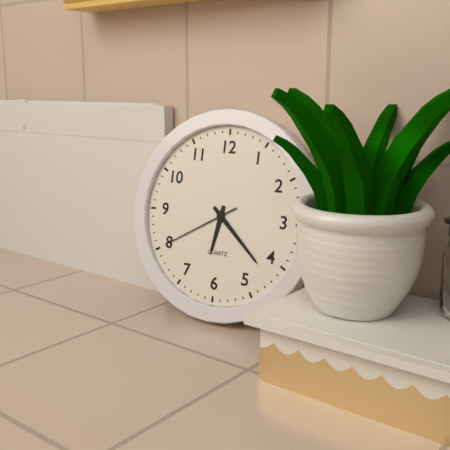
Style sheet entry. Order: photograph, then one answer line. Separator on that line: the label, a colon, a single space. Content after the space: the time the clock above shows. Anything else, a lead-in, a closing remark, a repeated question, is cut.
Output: 6:22:40
